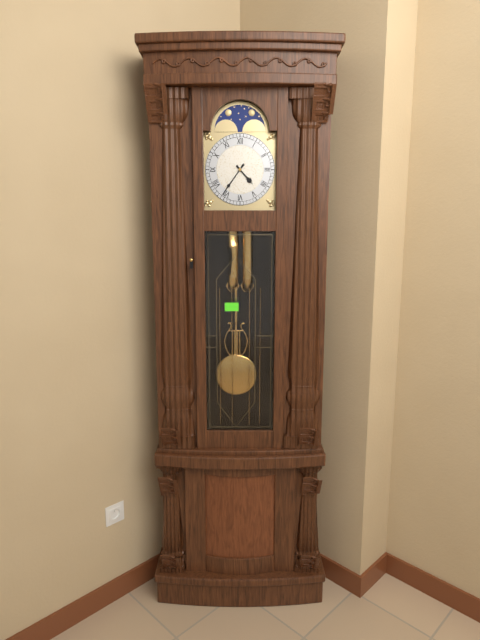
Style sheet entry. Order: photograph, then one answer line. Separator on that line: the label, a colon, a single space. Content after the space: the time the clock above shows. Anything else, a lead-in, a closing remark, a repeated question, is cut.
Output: 4:36
